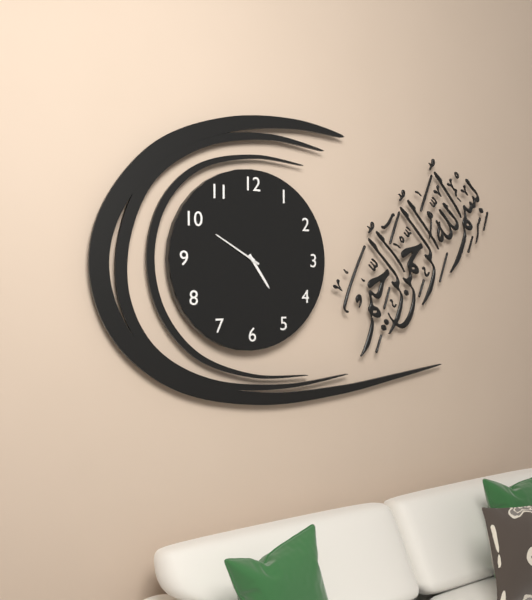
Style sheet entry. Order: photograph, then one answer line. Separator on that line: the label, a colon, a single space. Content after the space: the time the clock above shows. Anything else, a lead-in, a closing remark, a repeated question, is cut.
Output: 4:50
